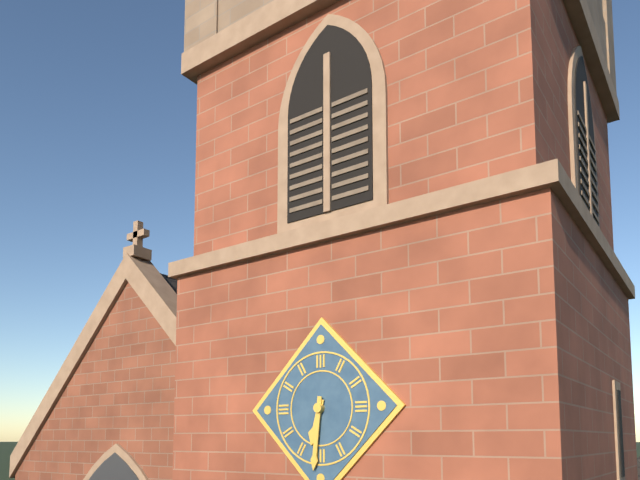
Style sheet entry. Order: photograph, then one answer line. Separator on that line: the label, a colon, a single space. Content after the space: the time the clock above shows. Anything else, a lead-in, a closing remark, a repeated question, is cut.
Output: 6:31
